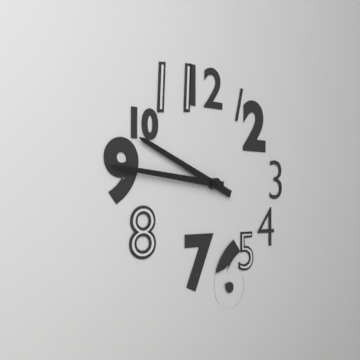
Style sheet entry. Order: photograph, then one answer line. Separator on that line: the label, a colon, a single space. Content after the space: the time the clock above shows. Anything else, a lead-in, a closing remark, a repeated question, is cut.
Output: 9:46
